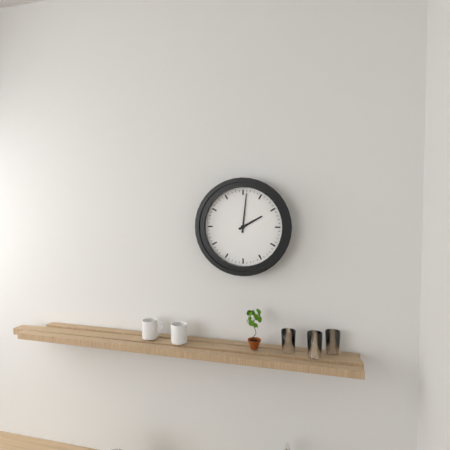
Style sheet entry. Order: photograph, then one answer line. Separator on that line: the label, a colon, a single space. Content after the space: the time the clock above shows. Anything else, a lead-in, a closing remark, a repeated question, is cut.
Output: 2:01
